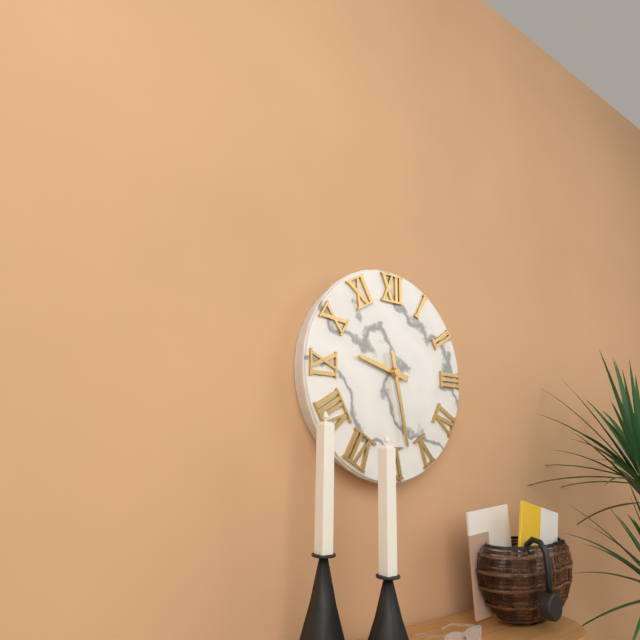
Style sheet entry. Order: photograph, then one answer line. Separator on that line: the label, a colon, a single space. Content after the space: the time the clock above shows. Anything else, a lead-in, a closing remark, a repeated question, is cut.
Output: 9:28
